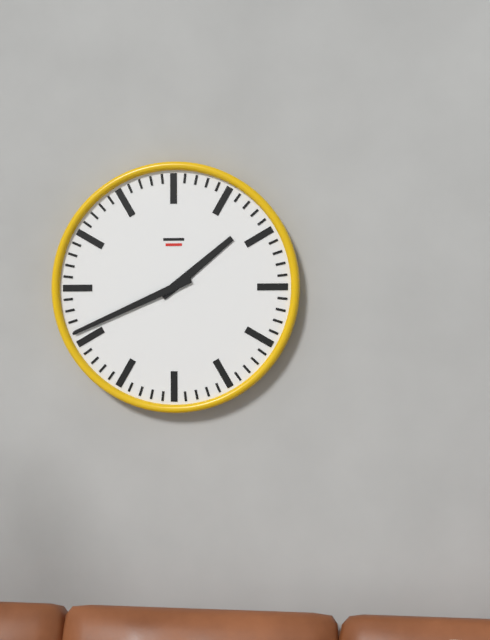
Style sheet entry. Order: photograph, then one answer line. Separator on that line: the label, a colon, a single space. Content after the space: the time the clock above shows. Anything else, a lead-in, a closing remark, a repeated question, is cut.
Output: 1:41
